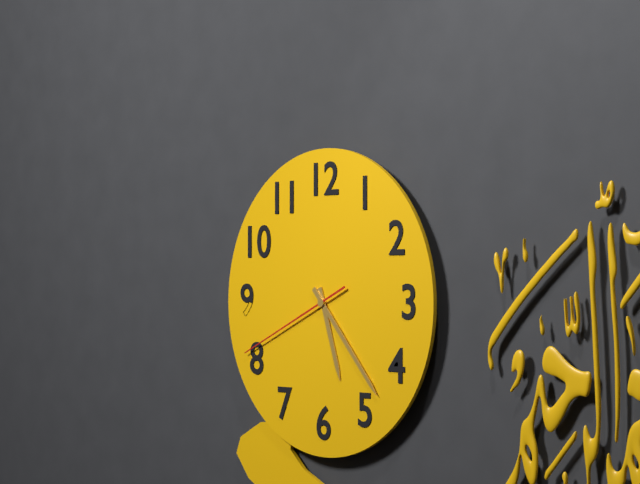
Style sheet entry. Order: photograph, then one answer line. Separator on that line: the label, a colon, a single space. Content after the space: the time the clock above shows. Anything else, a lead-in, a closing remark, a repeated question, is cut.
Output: 5:23:41
